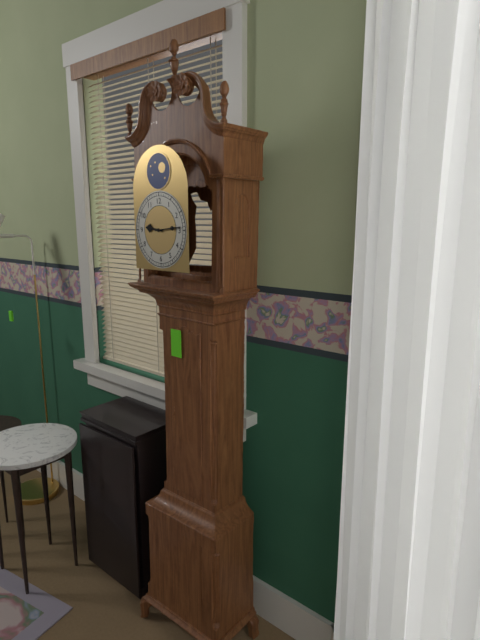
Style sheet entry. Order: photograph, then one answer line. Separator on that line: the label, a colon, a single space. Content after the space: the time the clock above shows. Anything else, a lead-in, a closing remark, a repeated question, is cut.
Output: 9:14
